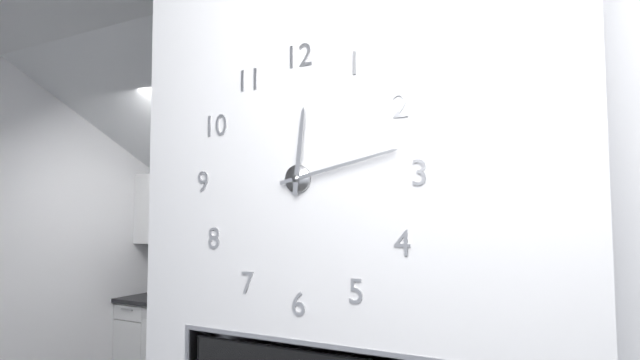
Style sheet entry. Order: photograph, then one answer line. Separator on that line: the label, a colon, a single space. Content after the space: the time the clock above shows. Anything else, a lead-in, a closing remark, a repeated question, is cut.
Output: 12:13
